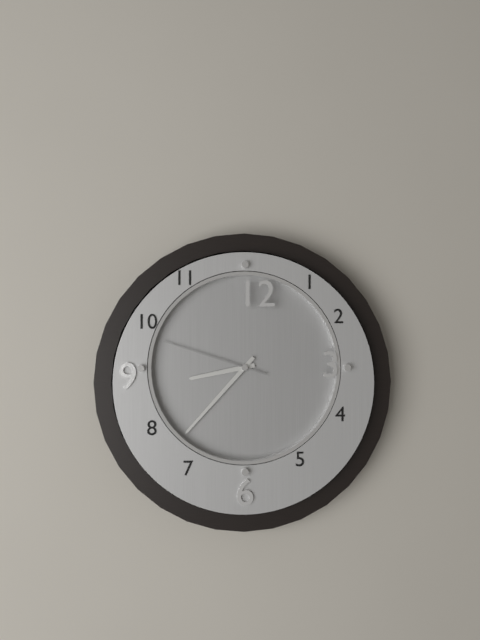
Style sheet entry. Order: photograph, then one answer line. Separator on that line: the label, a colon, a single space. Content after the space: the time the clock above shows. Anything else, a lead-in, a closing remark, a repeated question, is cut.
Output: 8:37:48
